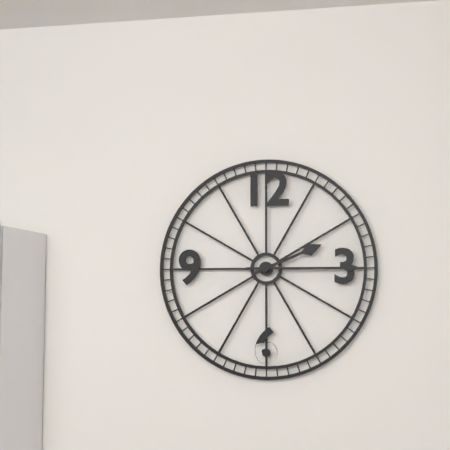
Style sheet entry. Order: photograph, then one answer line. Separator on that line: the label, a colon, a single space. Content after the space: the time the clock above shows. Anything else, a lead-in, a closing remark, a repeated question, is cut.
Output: 2:15
